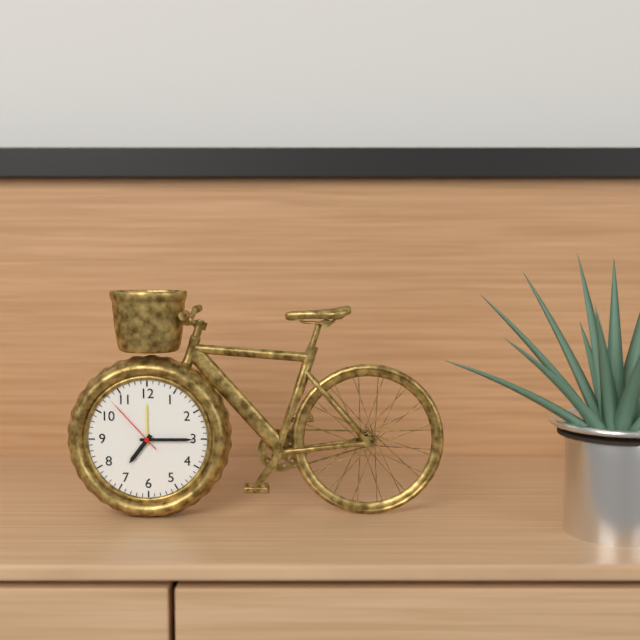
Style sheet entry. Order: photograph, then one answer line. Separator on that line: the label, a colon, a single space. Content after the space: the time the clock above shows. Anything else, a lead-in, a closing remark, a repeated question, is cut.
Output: 7:15:53
